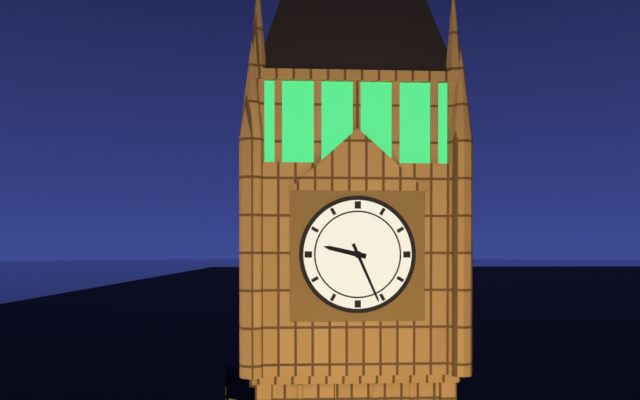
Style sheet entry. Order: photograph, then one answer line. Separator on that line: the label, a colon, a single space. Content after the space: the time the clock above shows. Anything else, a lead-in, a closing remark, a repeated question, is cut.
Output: 9:26
